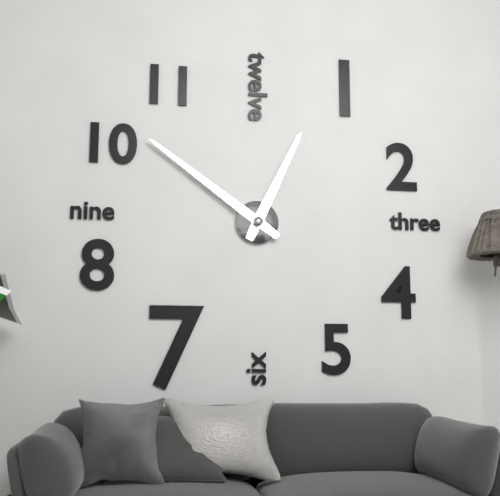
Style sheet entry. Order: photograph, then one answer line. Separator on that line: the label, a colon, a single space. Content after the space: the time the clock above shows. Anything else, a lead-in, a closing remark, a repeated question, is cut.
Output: 12:51
